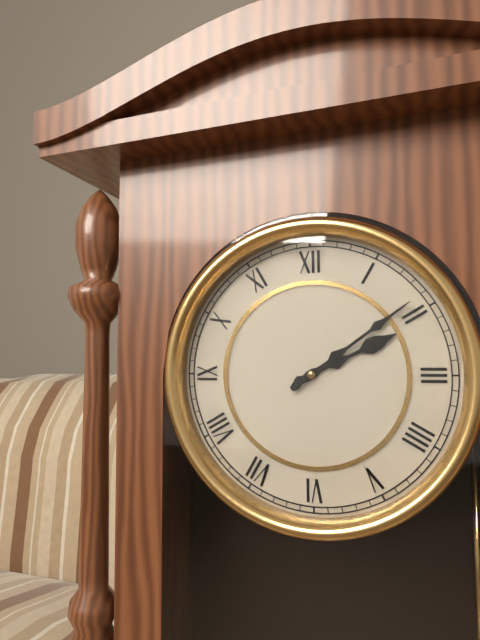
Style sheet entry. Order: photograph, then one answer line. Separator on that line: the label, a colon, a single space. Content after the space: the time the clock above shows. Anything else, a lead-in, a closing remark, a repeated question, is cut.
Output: 2:09
